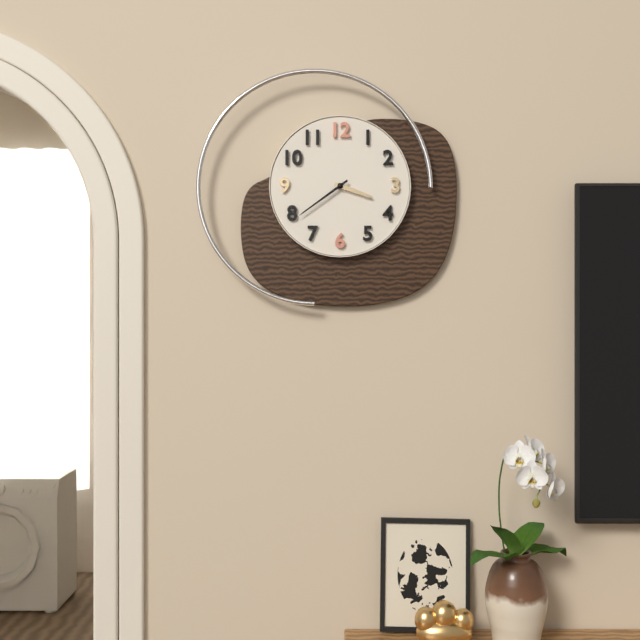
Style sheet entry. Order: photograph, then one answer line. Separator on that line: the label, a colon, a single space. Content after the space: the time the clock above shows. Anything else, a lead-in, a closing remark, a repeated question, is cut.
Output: 3:39
